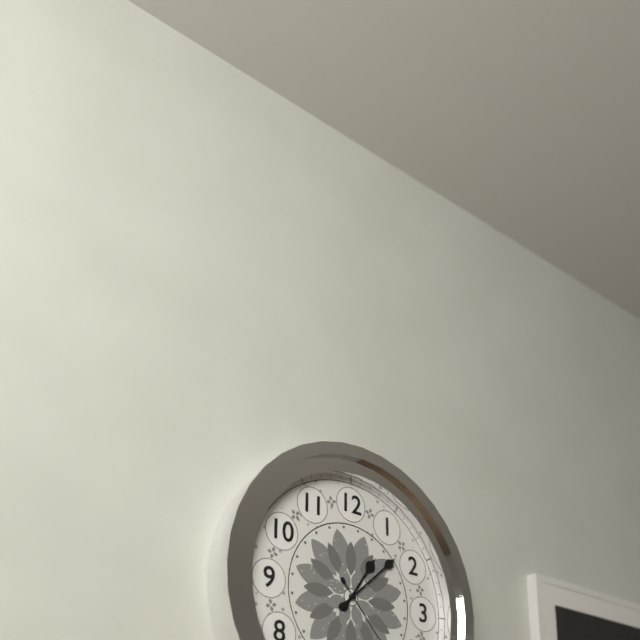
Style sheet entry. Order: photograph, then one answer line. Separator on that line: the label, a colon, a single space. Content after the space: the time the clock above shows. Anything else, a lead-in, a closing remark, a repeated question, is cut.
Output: 1:08
